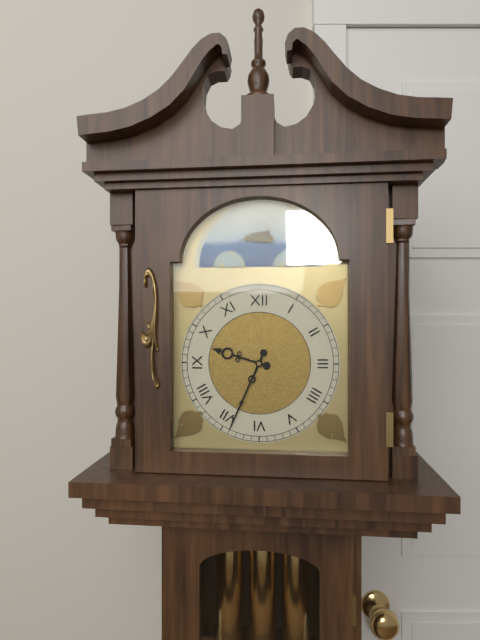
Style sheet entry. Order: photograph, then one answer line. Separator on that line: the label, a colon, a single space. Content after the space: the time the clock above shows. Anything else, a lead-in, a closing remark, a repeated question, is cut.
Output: 9:34
